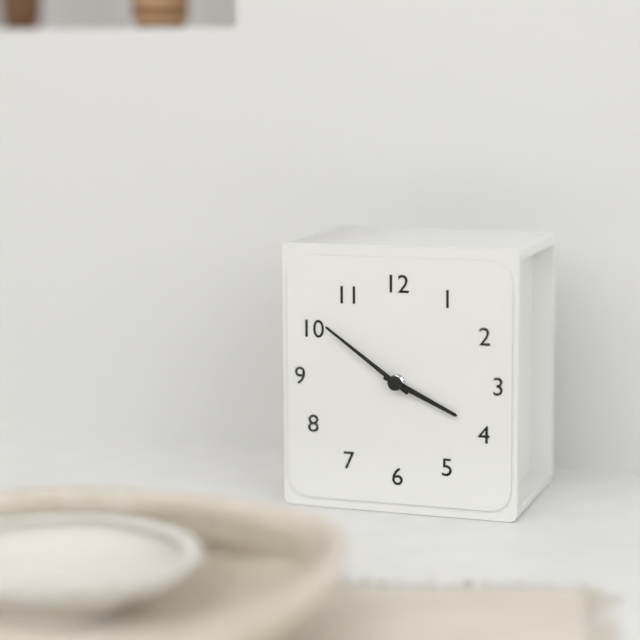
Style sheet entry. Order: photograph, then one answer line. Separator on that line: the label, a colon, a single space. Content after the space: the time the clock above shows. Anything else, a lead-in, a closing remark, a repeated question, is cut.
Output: 3:51
